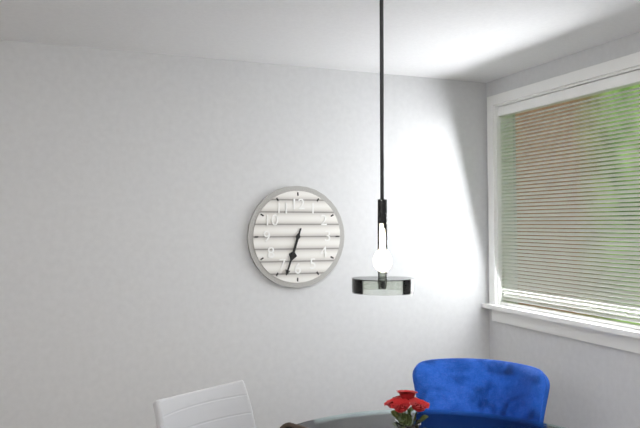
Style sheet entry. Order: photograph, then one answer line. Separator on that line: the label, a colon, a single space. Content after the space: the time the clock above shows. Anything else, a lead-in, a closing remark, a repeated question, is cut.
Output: 6:33
